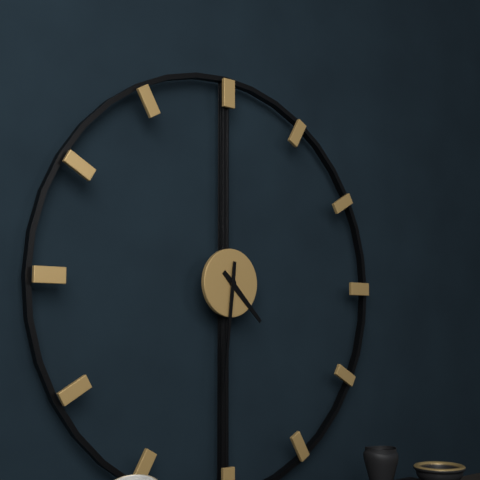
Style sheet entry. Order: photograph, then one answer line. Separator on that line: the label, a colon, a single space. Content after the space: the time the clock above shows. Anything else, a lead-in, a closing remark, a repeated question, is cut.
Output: 4:31
